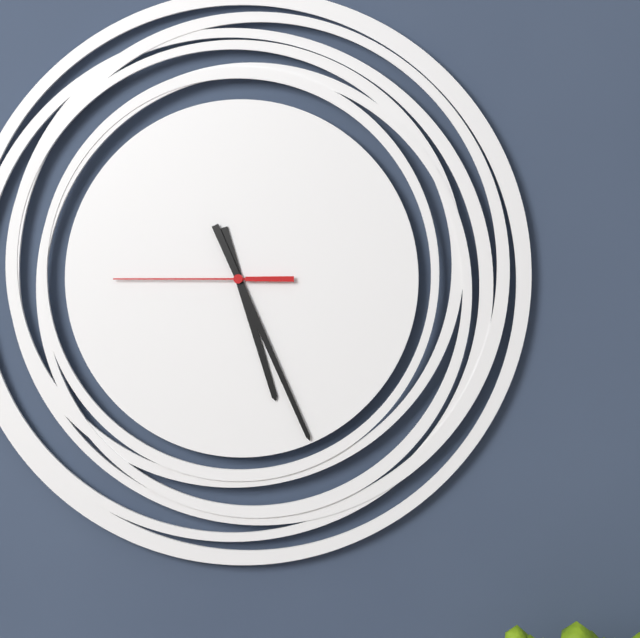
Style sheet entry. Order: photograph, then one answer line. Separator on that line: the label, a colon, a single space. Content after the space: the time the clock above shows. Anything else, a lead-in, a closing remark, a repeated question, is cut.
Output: 5:26:45
